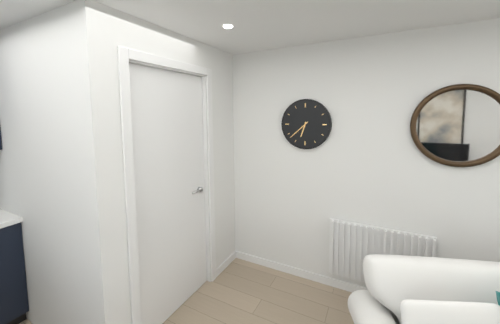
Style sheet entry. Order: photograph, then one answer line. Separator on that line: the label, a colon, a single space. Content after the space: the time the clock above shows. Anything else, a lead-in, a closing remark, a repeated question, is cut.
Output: 6:38
